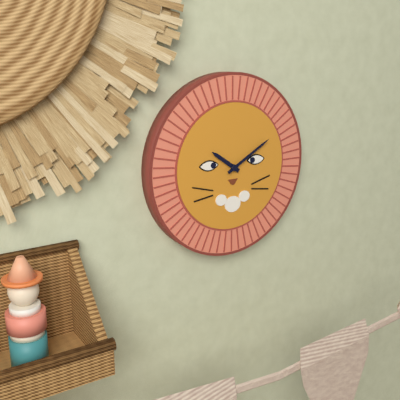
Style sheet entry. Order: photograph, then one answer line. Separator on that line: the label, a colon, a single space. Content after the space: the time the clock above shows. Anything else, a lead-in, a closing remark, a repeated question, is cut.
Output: 10:10
